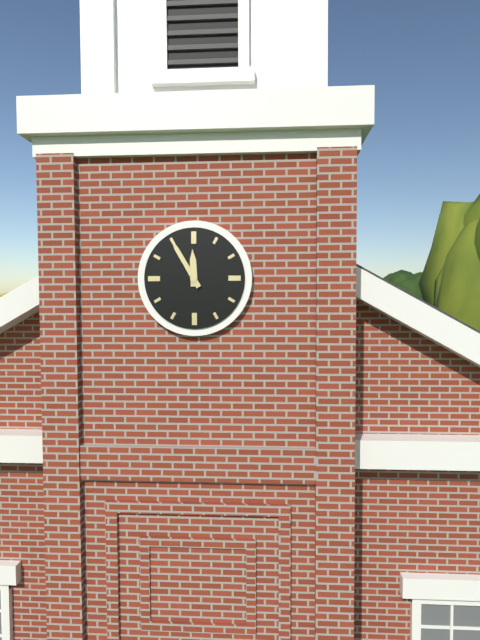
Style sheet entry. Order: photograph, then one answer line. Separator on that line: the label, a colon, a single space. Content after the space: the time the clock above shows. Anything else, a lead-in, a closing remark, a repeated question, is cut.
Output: 11:55
